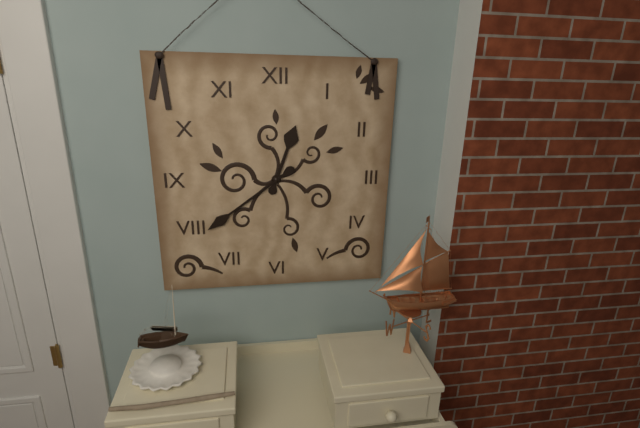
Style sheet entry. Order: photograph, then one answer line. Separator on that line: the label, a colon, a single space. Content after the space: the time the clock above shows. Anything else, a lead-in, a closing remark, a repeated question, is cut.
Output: 12:39
